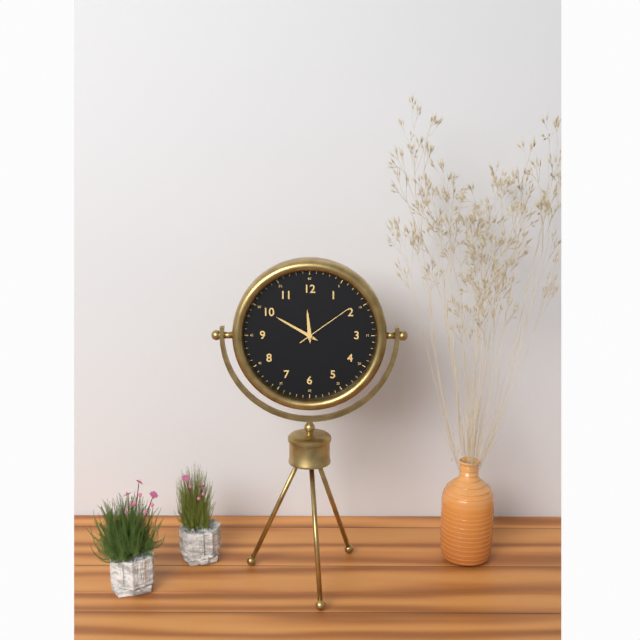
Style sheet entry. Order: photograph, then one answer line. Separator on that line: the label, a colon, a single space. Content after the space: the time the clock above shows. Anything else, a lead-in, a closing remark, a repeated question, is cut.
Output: 11:50:09
